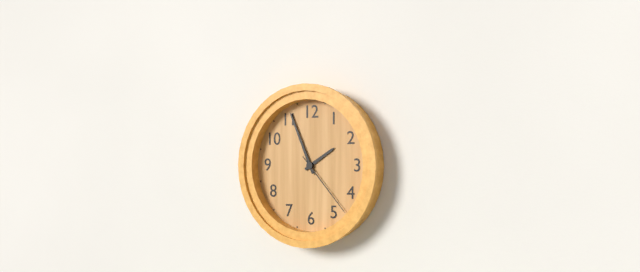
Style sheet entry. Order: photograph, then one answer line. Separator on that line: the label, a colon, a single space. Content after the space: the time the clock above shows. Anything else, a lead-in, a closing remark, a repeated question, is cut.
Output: 1:56:23
